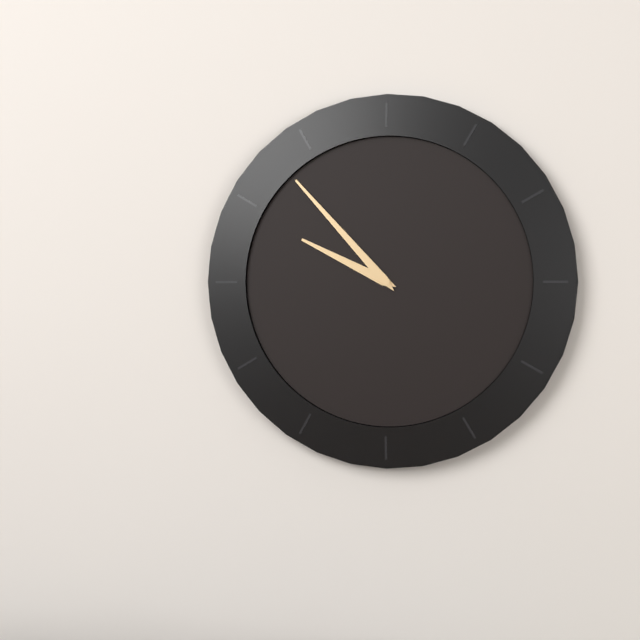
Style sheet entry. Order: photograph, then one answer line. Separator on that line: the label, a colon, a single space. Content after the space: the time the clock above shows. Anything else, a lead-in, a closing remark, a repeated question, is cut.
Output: 9:53
